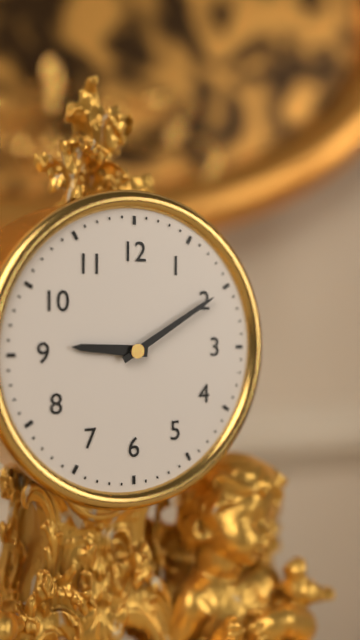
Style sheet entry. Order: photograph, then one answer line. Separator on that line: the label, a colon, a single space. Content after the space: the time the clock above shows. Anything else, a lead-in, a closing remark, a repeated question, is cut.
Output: 9:10
